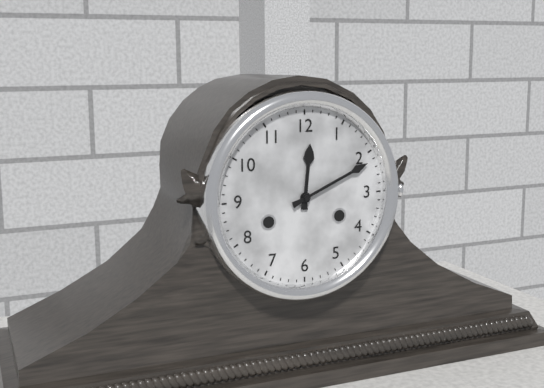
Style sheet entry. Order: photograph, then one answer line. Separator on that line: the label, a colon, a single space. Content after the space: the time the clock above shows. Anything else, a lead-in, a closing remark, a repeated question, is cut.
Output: 12:11
